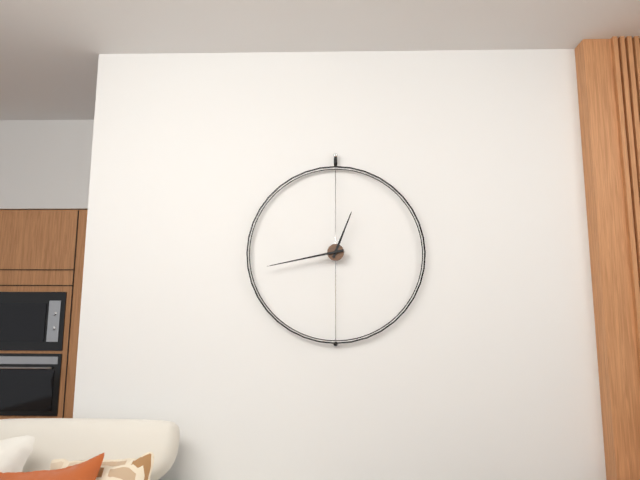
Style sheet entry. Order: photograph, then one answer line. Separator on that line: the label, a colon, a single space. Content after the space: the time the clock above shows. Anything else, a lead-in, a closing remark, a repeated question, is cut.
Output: 12:43
